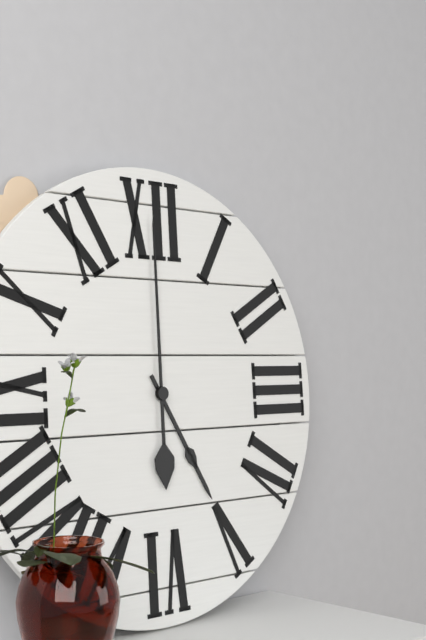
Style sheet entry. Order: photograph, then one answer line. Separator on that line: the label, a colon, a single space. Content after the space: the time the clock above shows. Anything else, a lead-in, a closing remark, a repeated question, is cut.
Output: 5:00
